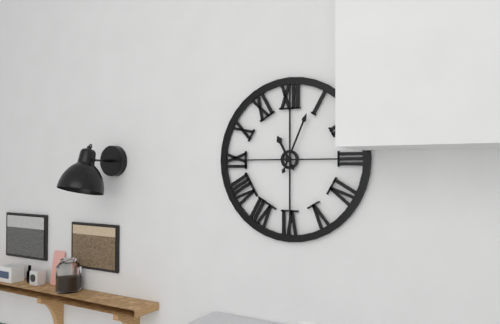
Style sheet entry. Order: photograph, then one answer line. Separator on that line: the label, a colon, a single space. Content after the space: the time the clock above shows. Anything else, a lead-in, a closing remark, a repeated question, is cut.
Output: 11:04
